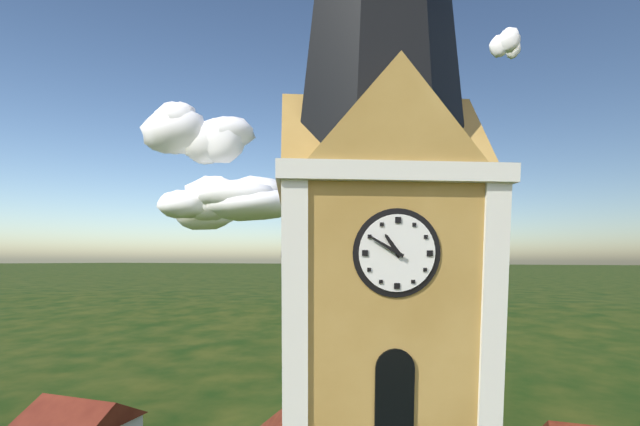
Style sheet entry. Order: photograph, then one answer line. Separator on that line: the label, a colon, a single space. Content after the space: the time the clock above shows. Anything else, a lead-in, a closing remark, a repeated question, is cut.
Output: 10:50
